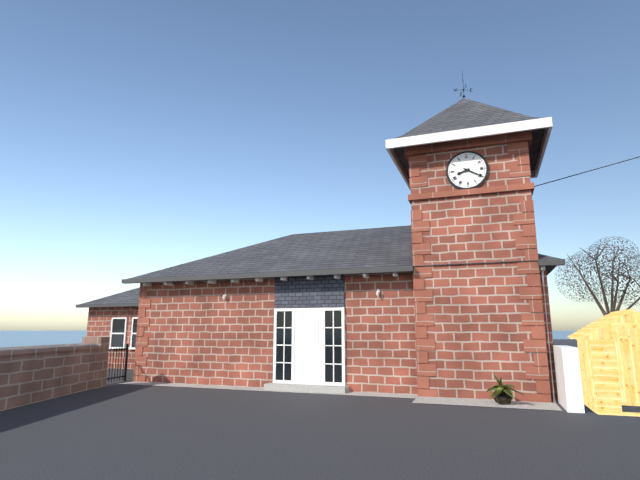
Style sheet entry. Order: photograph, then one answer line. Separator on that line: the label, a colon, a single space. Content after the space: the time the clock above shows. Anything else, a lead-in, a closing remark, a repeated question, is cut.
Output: 8:20
